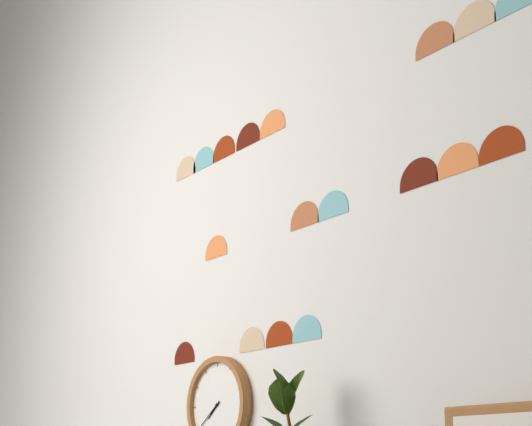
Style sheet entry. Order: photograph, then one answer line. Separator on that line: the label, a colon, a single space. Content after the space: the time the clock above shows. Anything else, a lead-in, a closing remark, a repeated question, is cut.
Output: 7:39
